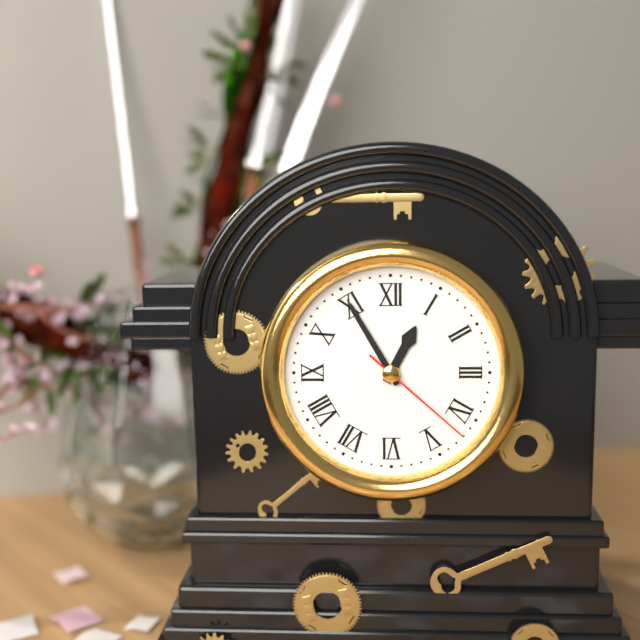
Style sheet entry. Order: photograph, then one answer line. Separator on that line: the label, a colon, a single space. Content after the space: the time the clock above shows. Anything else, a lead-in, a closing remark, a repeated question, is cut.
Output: 12:55:22
